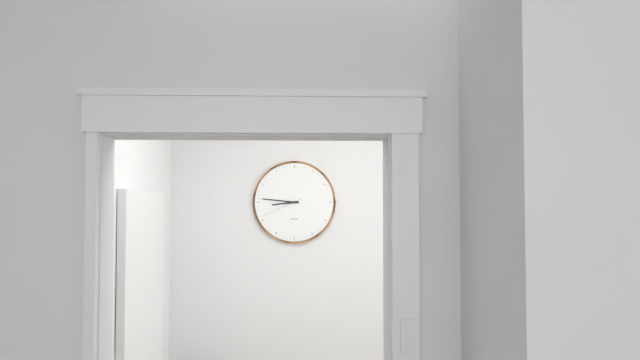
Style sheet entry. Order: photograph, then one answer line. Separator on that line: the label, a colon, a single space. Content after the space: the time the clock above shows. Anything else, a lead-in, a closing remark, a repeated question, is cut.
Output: 8:46
